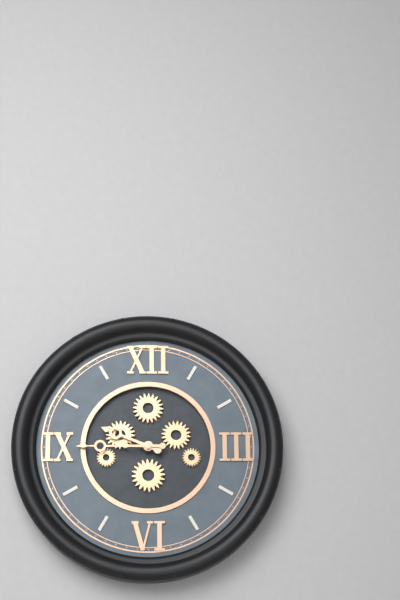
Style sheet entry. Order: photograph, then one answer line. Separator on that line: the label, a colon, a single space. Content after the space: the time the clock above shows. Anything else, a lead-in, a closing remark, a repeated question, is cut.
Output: 9:45
